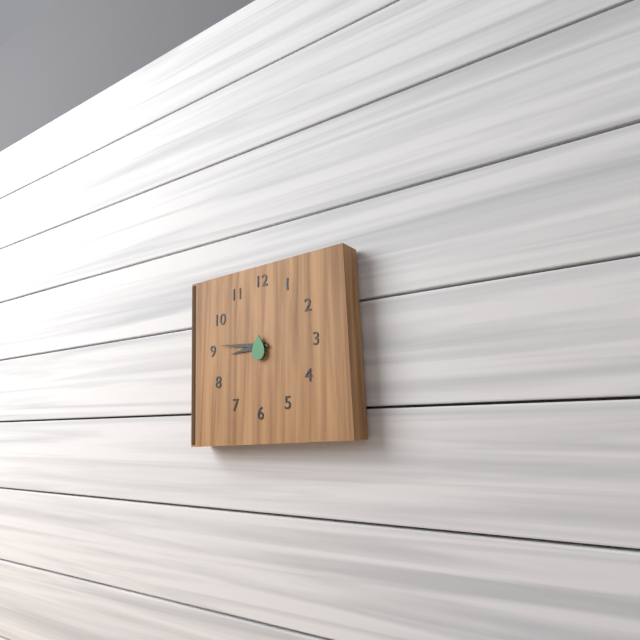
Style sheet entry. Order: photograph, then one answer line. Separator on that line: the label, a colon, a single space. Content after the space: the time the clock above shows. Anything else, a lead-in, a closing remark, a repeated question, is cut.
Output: 8:46
